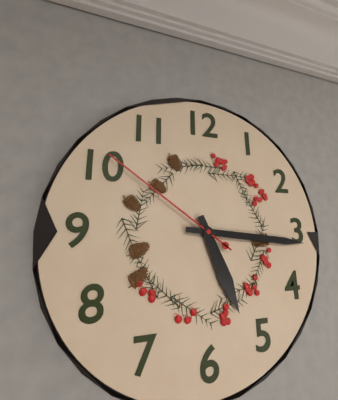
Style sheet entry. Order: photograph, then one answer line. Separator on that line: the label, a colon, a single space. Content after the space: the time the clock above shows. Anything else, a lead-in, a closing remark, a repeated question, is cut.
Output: 5:16:51
